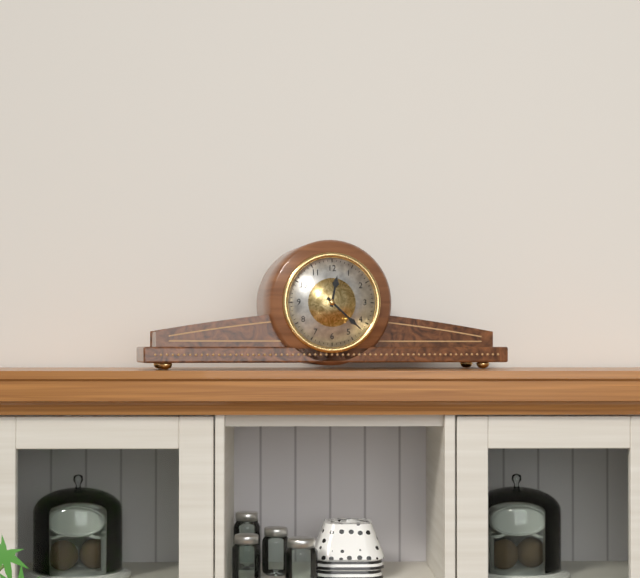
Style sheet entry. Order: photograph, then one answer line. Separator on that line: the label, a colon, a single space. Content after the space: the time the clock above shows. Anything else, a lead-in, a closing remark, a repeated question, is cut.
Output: 12:22
